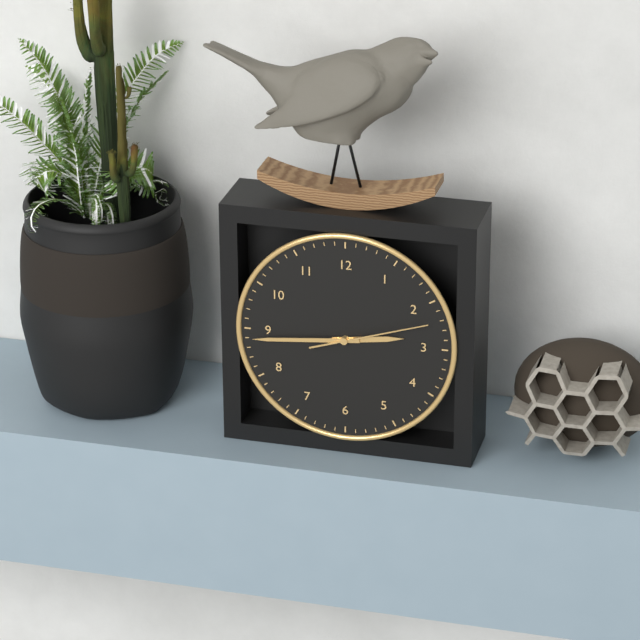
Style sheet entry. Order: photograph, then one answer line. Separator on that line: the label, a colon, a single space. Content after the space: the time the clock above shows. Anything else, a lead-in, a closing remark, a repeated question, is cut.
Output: 2:44:12
